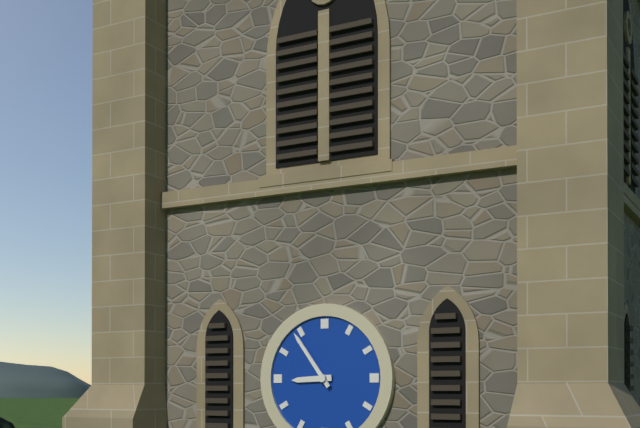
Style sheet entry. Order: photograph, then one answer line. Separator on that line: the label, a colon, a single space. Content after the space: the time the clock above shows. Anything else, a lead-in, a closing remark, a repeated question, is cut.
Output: 8:54
